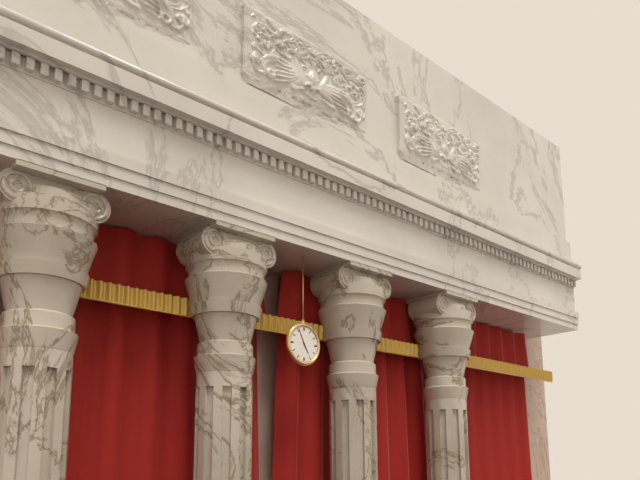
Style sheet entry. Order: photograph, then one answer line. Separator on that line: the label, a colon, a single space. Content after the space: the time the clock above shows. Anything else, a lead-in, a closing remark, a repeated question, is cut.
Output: 4:56
